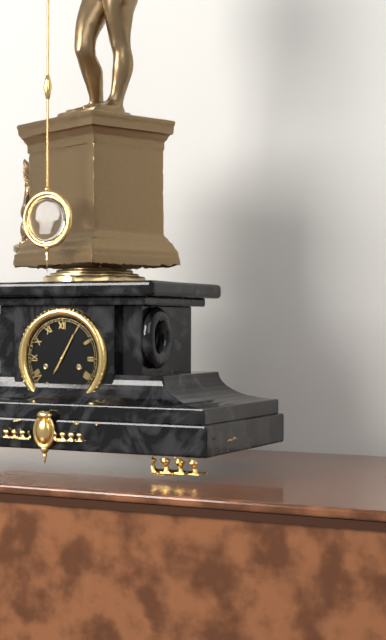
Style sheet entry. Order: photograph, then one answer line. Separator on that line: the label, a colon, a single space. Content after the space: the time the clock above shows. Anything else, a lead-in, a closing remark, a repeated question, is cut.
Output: 7:05
